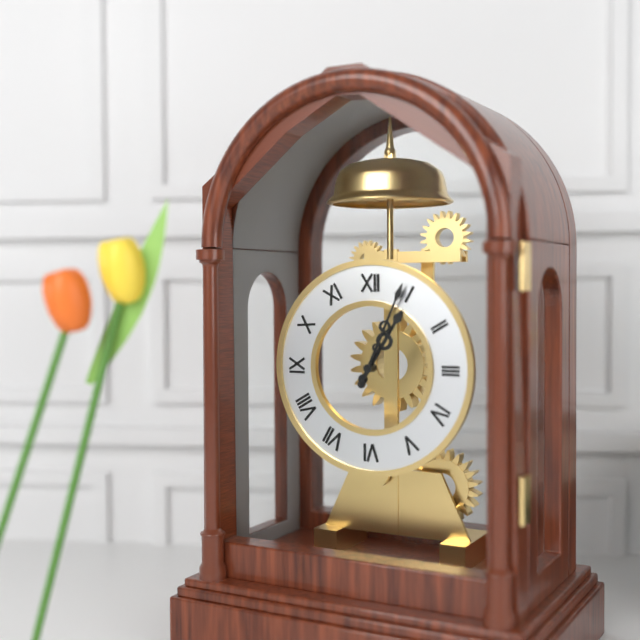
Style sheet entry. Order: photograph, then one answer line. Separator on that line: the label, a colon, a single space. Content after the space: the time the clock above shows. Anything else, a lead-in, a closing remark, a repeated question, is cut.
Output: 1:04
